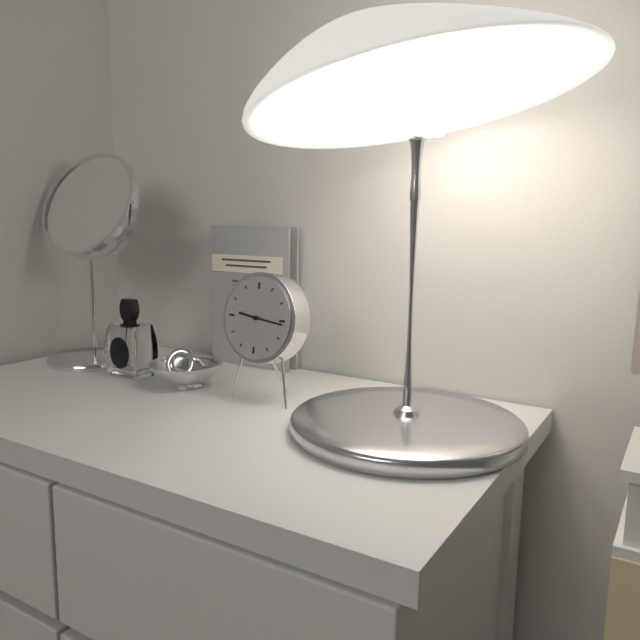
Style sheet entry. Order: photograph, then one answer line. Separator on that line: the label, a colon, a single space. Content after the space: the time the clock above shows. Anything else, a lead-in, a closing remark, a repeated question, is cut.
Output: 9:16
